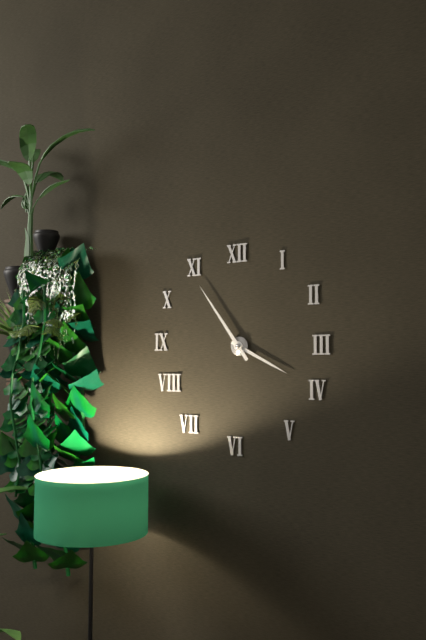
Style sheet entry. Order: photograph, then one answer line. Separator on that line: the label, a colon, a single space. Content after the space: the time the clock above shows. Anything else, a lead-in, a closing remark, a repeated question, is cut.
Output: 3:54
